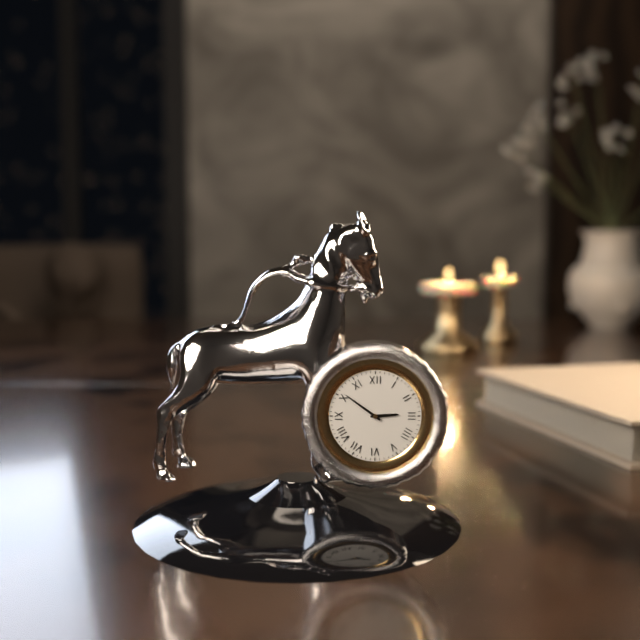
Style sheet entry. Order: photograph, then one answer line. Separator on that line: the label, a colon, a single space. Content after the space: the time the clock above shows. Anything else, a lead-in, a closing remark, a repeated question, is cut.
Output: 2:51
